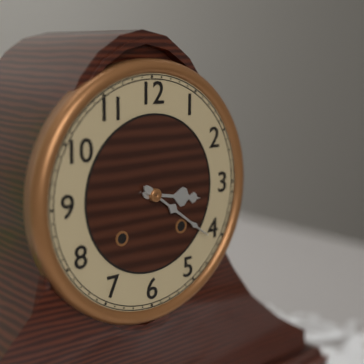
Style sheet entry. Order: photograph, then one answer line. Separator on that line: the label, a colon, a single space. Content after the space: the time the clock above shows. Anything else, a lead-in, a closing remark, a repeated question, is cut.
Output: 3:21
